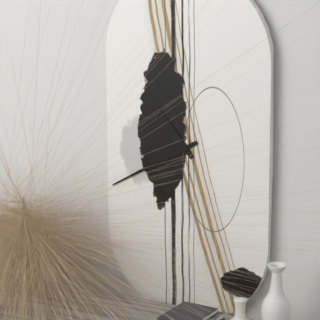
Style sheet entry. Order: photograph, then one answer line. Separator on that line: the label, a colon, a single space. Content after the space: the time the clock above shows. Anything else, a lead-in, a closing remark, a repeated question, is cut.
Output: 10:40
